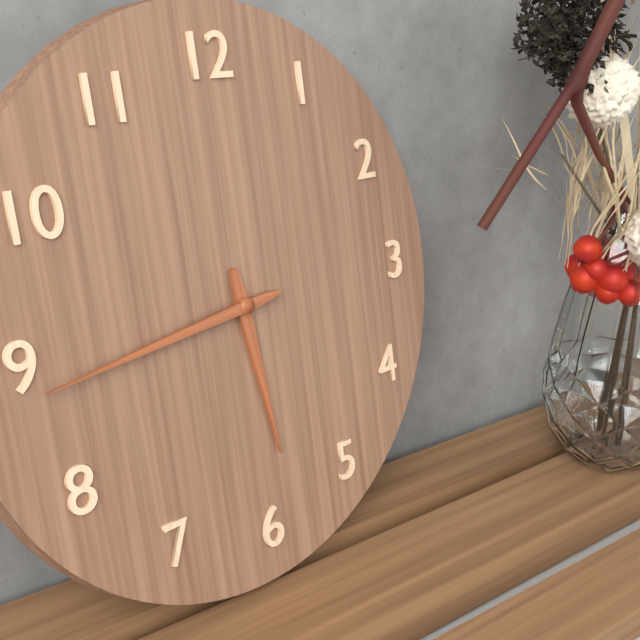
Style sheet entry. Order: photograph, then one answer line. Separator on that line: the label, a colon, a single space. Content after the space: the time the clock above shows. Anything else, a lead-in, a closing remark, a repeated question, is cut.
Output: 5:44
